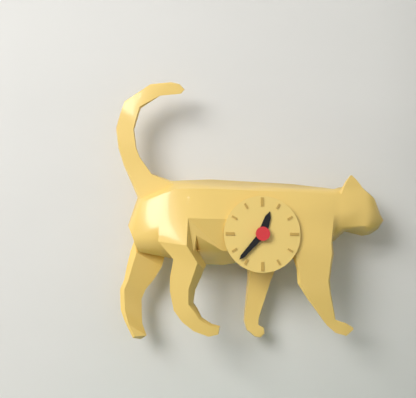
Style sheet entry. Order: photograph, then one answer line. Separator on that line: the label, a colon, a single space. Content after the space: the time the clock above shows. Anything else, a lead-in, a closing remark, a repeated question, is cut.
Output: 12:37
